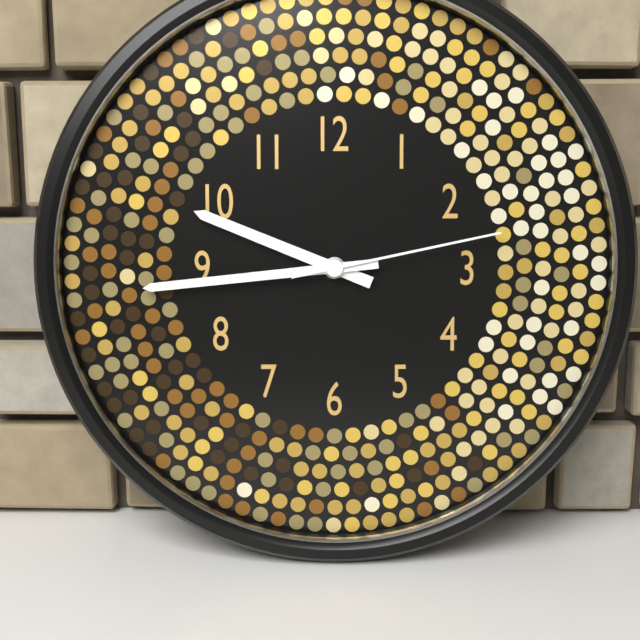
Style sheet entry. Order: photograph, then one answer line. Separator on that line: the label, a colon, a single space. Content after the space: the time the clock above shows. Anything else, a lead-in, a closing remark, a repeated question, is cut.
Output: 9:44:13
